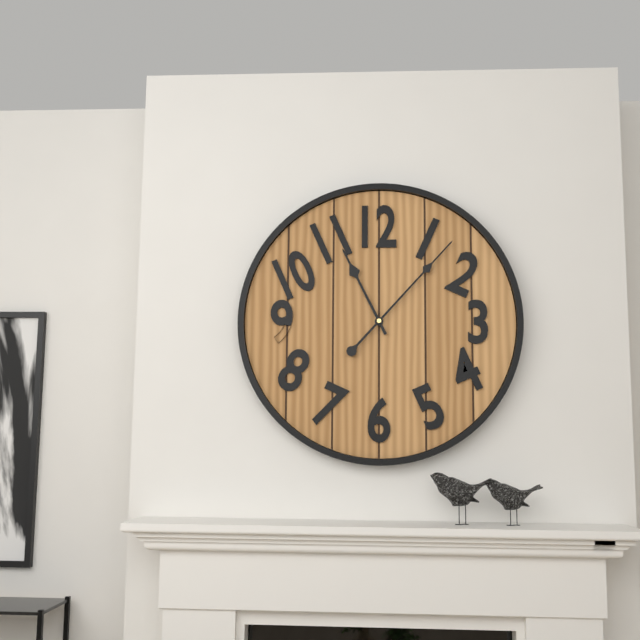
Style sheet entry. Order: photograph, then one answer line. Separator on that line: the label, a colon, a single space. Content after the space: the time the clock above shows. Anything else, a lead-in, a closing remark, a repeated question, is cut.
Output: 11:07
